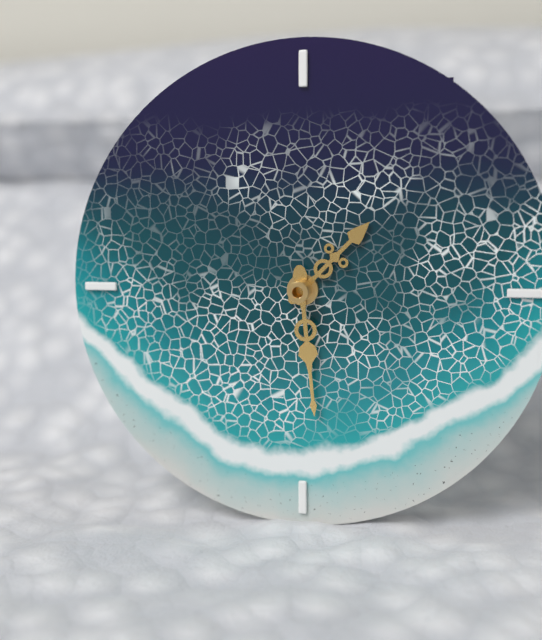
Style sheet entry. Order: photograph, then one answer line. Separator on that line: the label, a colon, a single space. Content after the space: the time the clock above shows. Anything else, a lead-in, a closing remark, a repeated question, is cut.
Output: 1:29
